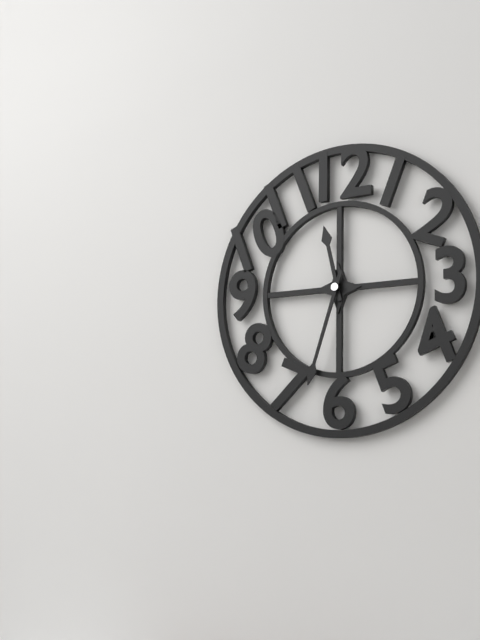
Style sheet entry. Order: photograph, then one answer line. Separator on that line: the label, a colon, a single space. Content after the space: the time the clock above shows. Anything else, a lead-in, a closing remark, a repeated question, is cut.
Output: 11:33
